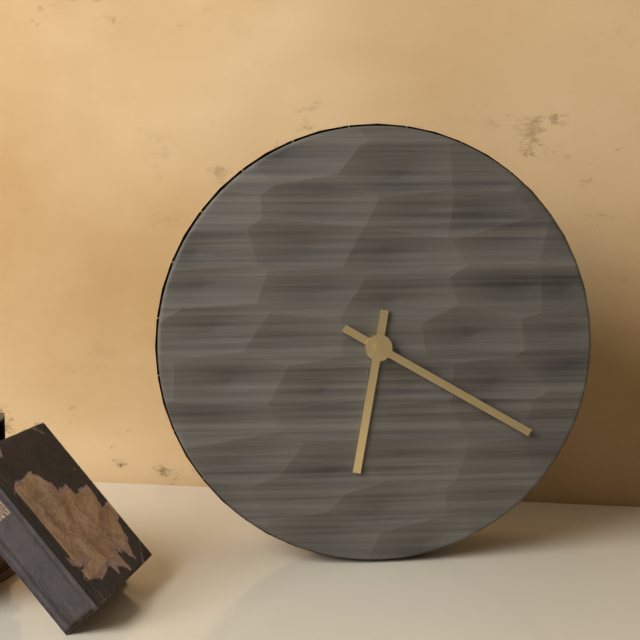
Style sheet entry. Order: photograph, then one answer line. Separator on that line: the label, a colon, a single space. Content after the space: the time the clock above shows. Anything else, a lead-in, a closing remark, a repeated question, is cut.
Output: 6:20
